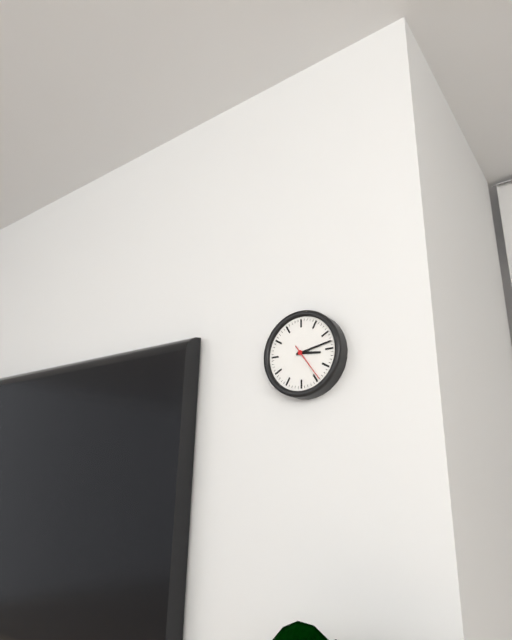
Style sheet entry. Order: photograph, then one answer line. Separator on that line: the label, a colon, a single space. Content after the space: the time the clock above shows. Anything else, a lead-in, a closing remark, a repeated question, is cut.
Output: 3:13
